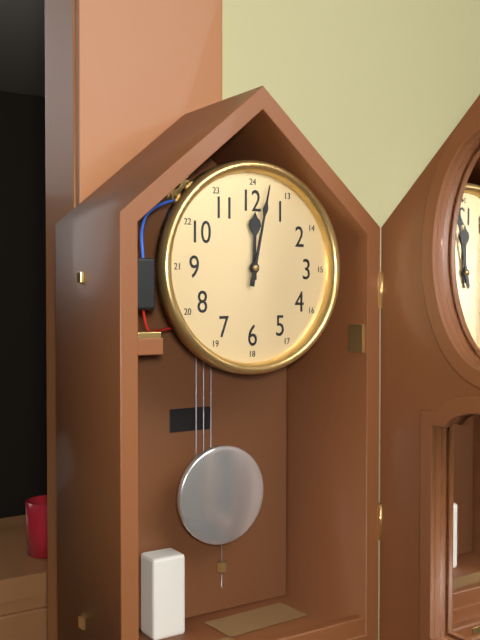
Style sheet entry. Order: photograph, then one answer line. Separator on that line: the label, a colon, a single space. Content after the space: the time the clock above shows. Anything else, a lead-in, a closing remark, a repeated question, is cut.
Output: 12:02
